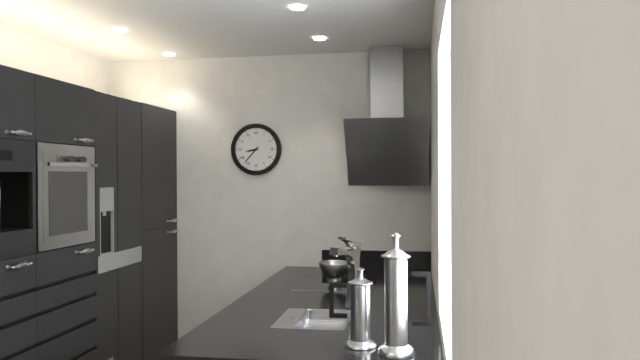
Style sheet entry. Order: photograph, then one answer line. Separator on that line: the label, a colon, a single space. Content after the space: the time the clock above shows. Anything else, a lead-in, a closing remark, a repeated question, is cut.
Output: 8:37
